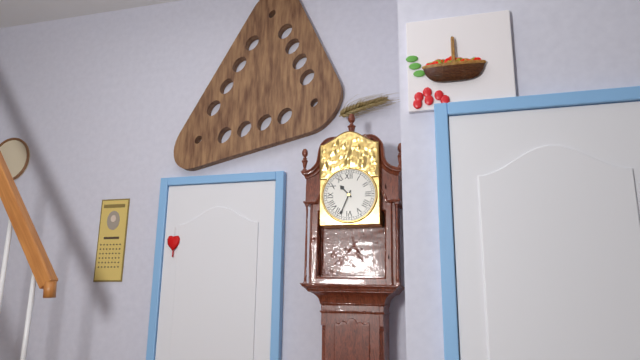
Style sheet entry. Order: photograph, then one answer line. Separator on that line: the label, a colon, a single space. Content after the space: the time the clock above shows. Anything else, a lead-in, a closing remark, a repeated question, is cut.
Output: 10:34
